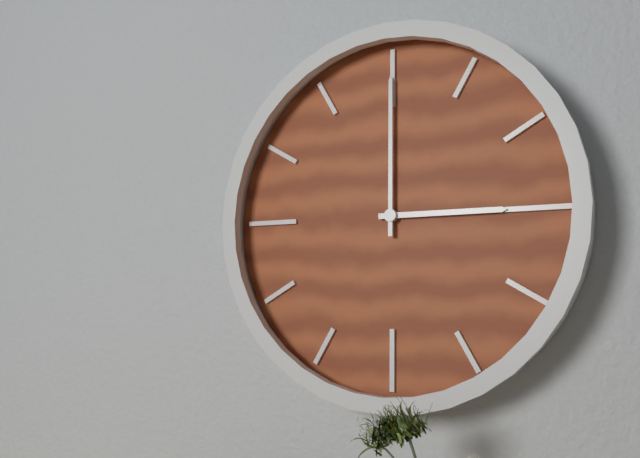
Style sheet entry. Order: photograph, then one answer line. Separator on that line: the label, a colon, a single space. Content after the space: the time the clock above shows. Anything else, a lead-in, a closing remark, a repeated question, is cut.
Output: 3:00
